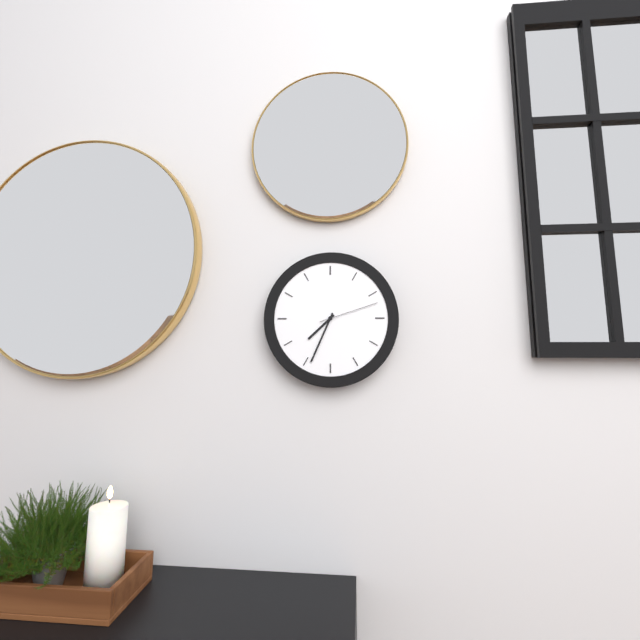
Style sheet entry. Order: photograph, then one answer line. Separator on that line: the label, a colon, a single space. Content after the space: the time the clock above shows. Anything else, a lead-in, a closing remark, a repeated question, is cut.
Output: 7:34:12
